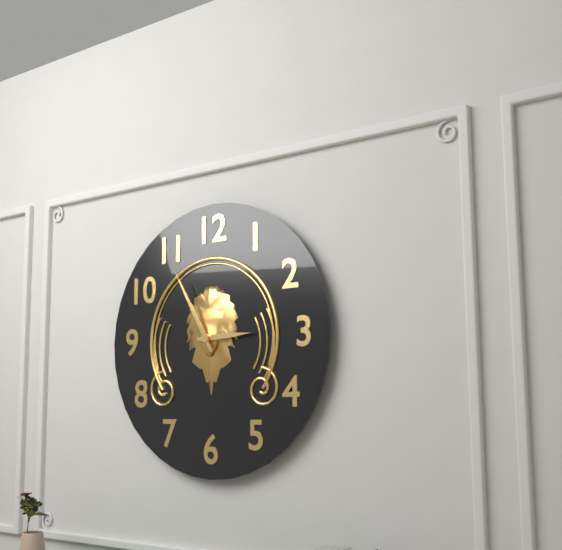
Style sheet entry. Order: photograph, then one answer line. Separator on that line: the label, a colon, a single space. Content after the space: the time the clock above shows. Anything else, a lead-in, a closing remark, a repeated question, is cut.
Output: 2:55
